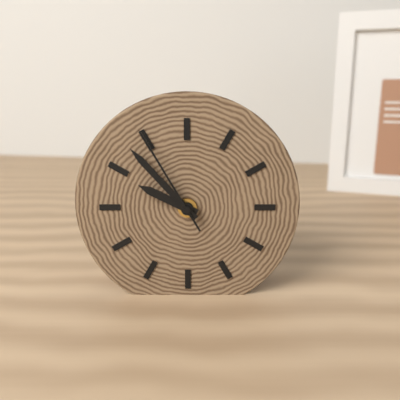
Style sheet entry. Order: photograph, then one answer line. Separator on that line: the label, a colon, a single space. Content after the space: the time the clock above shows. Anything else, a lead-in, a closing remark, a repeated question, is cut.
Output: 9:53:55
